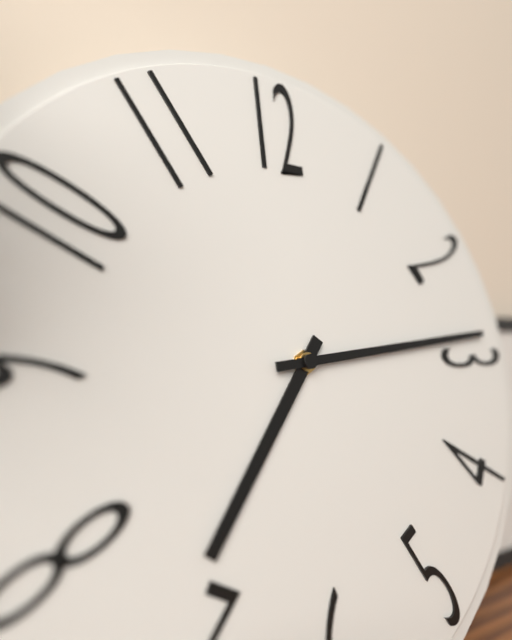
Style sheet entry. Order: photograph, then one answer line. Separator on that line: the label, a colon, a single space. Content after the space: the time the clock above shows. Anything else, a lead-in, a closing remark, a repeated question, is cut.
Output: 7:14
